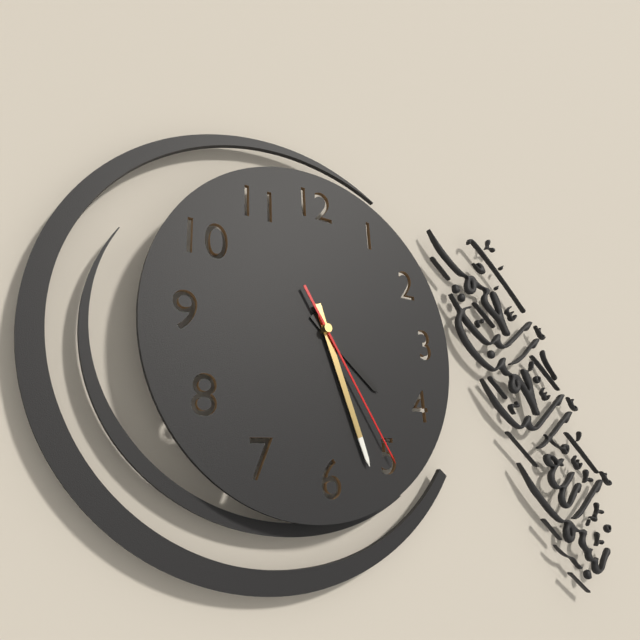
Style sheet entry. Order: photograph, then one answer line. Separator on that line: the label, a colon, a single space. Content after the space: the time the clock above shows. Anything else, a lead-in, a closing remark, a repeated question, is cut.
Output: 4:27:25
